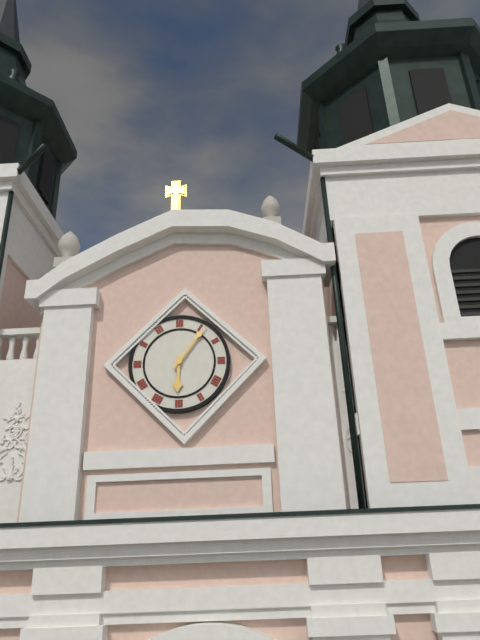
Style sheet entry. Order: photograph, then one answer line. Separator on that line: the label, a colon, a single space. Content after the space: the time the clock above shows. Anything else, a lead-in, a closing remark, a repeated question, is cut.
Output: 6:06
